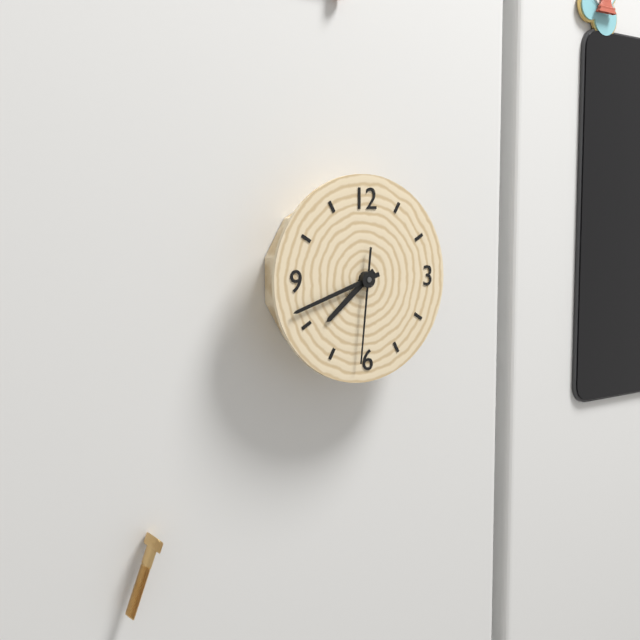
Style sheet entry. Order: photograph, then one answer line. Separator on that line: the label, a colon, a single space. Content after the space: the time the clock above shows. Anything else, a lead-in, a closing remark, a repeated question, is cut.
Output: 7:42:31
